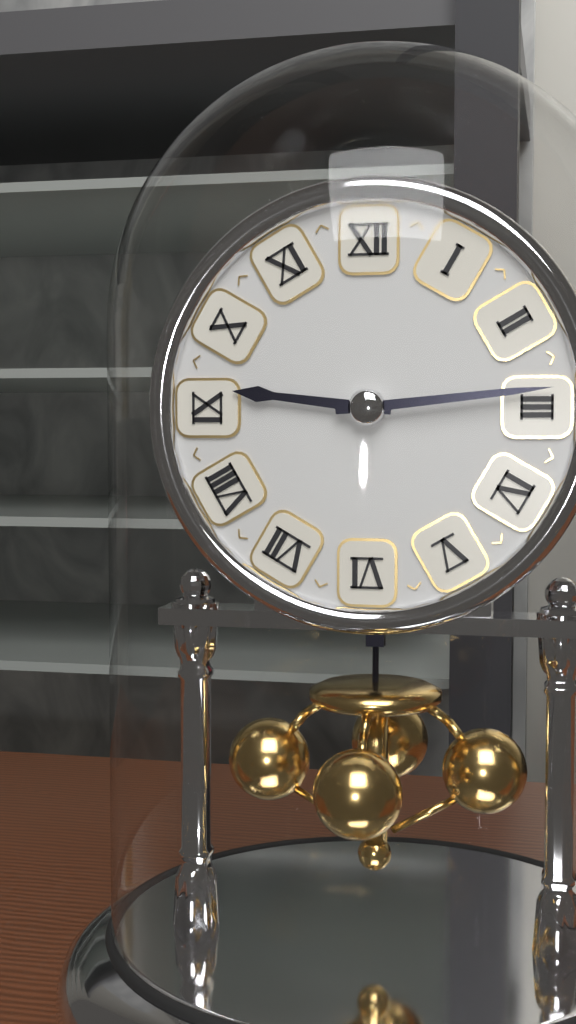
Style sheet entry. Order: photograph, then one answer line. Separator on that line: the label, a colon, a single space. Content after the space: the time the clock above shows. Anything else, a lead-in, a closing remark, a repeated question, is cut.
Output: 9:14
